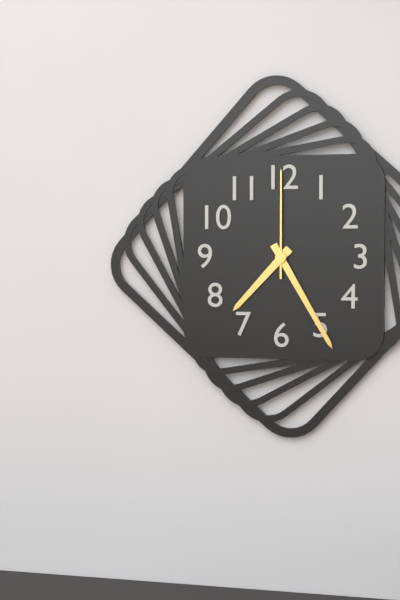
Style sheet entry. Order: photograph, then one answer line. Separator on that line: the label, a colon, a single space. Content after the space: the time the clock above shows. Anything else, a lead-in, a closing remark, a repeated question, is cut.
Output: 7:25:00
